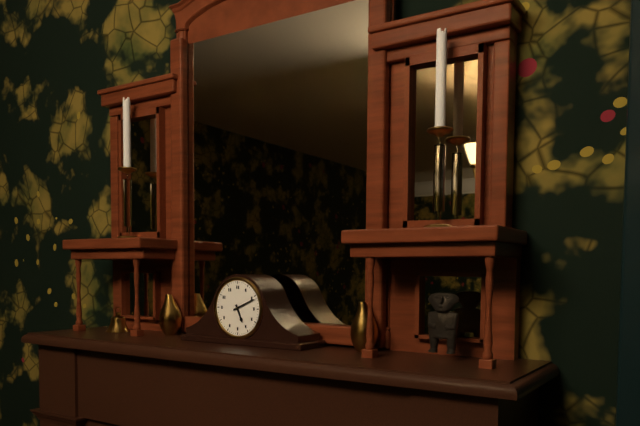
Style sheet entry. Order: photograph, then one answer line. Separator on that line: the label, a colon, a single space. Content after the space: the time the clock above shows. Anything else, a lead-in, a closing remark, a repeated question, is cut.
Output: 5:11
